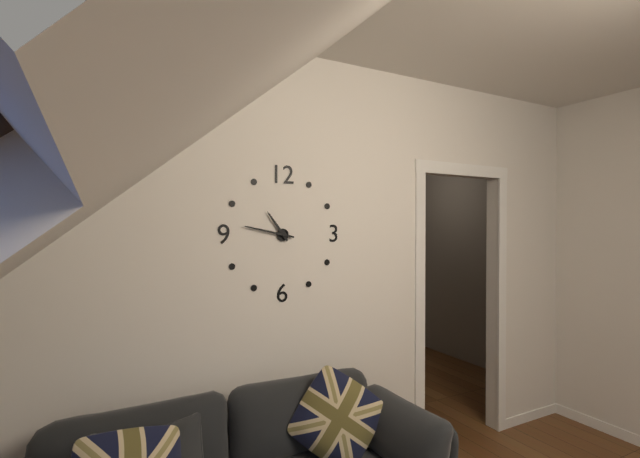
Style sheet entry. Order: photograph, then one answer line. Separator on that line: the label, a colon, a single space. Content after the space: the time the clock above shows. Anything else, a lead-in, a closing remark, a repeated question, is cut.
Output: 10:47
